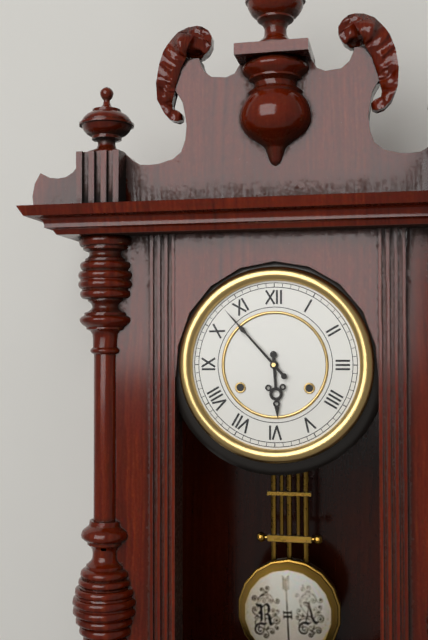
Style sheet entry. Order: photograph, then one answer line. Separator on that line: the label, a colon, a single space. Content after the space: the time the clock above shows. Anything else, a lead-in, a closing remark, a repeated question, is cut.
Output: 5:53
